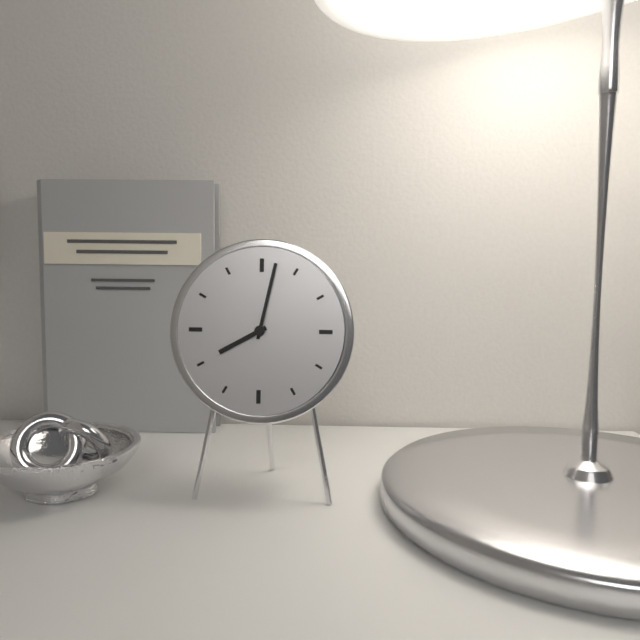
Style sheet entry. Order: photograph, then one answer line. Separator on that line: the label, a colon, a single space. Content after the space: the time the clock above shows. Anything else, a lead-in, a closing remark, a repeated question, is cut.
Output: 8:02
